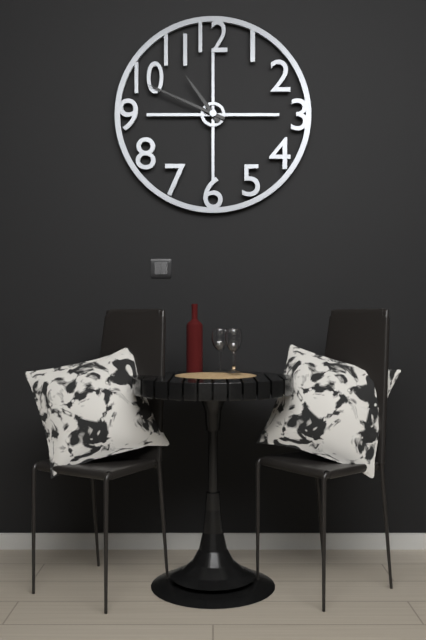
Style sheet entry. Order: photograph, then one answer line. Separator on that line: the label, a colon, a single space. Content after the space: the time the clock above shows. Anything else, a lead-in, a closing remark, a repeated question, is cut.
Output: 10:49
